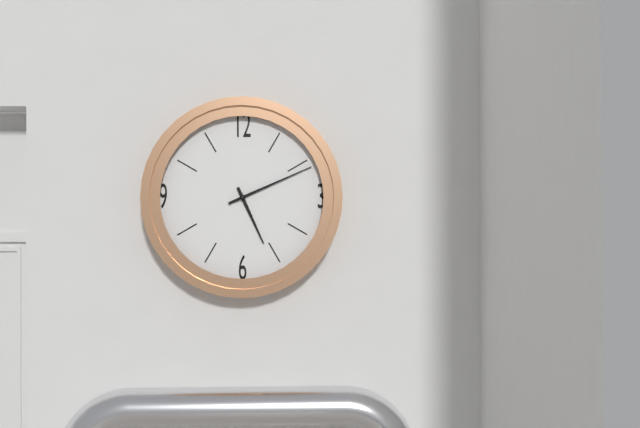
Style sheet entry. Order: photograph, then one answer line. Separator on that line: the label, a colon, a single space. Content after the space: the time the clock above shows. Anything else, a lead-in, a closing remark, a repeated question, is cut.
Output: 5:11
